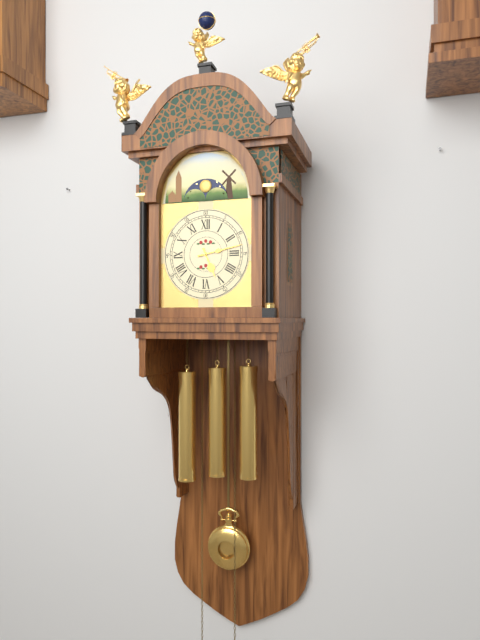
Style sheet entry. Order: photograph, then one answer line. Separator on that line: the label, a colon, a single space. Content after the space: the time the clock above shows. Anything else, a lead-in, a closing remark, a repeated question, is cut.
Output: 5:13
